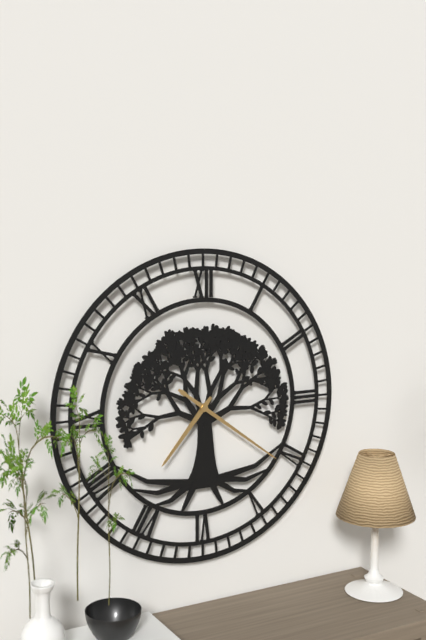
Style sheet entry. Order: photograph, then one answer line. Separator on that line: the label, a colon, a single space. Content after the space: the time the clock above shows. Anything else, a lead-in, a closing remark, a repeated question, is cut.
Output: 7:21
